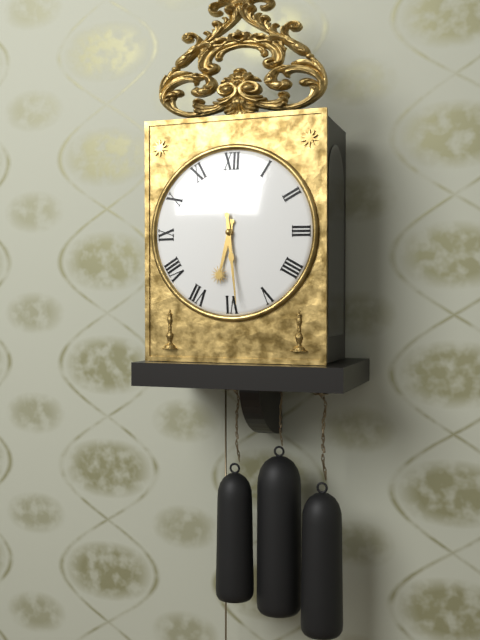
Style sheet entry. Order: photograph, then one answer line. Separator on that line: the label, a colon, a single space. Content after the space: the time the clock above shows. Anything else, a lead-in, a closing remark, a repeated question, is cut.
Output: 6:29
